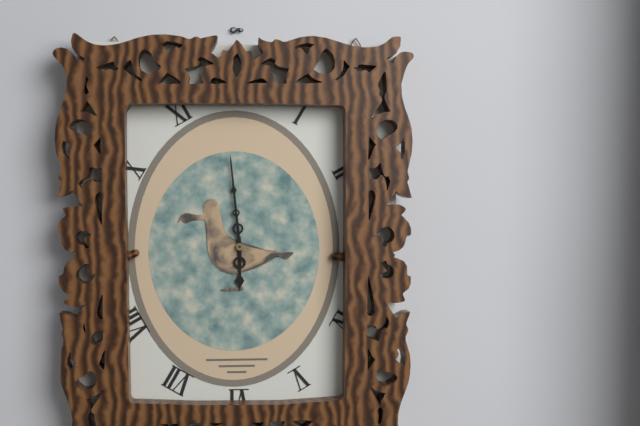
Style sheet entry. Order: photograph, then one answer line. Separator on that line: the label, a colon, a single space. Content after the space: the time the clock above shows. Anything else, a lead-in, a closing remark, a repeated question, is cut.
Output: 5:59
